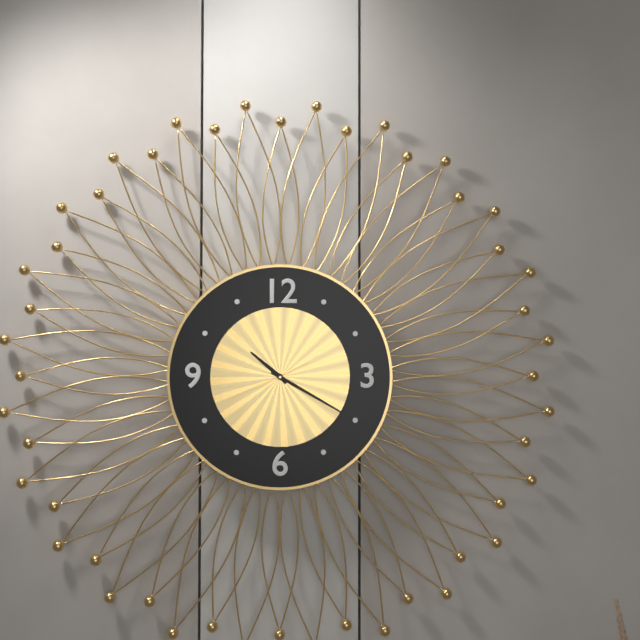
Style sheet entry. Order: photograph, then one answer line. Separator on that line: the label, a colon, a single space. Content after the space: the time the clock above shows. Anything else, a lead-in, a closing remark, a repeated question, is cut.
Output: 10:20:41
